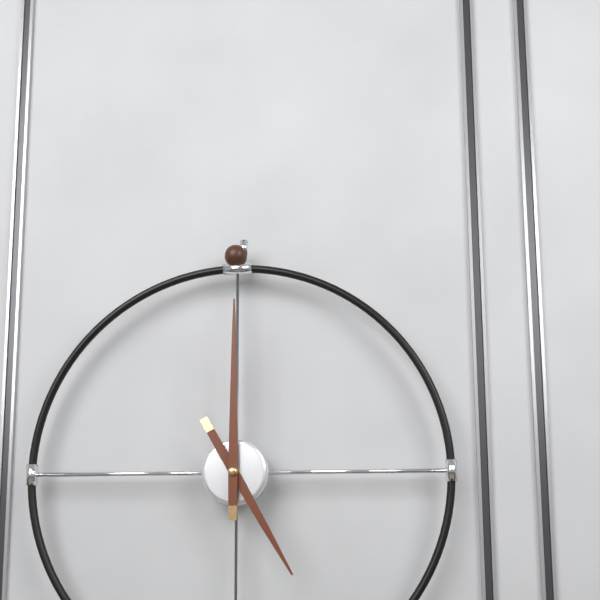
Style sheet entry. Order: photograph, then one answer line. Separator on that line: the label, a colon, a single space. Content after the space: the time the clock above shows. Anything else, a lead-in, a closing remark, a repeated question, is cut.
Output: 5:00
